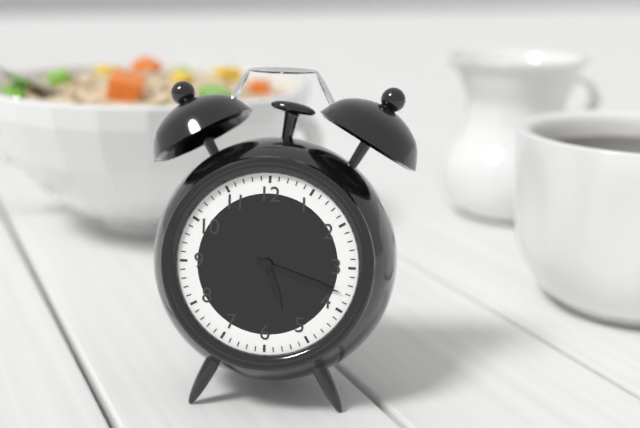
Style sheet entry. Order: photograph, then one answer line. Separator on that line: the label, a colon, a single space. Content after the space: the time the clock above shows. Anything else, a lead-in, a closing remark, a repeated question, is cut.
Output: 5:18
